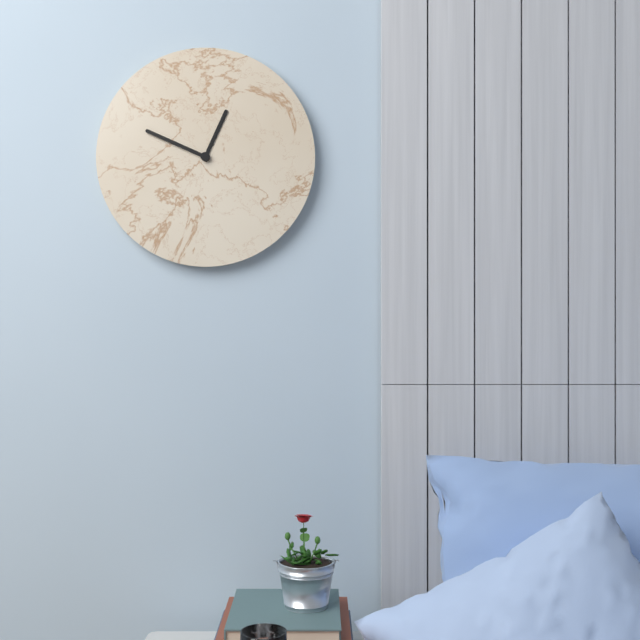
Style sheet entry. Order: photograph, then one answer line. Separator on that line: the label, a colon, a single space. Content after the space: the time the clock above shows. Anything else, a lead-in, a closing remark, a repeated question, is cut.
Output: 12:49
